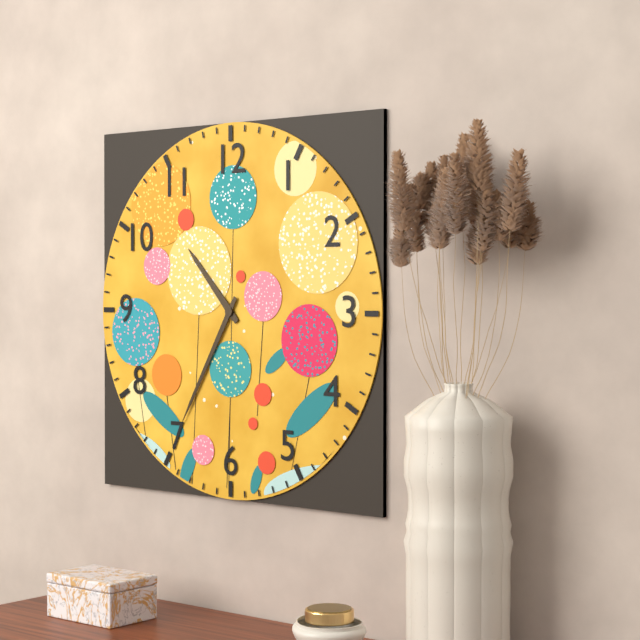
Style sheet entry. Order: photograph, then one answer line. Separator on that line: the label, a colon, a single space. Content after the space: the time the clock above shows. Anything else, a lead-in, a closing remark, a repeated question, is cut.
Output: 10:35
